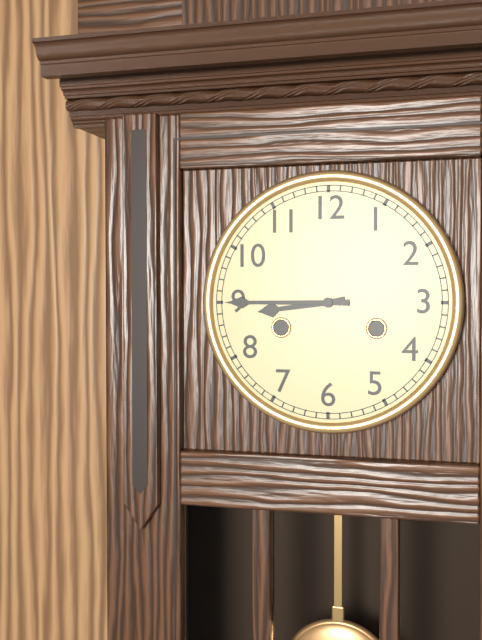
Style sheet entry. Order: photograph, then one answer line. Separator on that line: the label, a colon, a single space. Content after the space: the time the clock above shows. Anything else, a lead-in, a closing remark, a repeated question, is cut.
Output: 8:45
